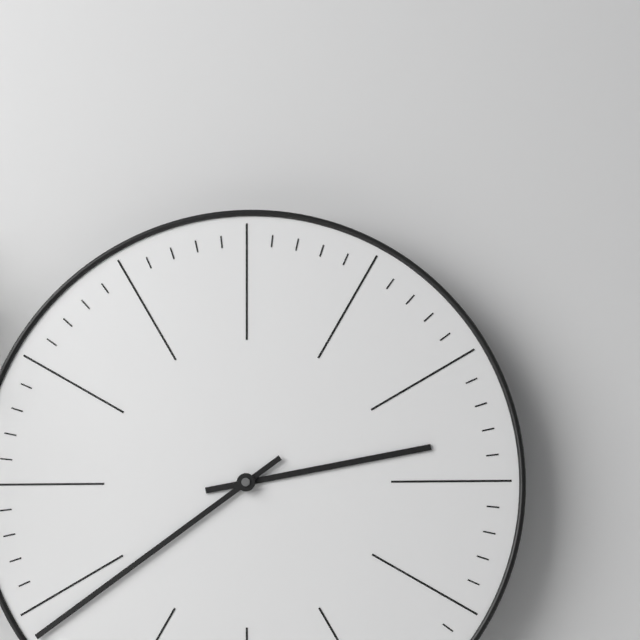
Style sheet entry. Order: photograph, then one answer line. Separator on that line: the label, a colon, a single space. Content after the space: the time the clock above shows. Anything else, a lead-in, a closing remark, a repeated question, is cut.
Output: 2:39
